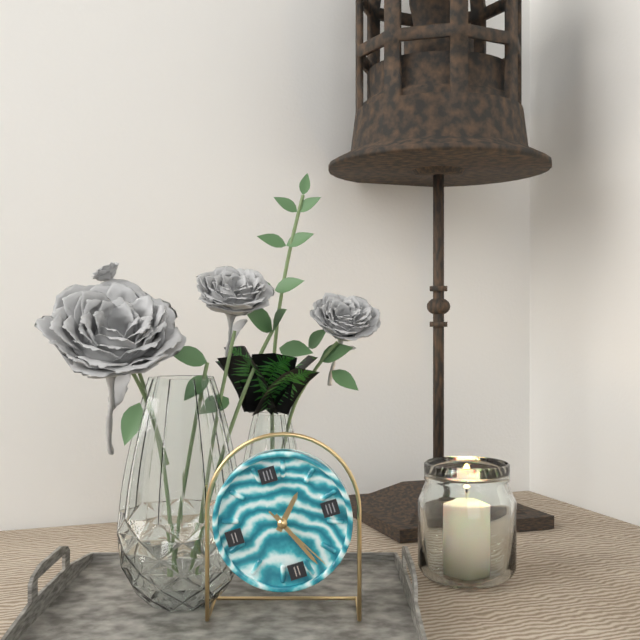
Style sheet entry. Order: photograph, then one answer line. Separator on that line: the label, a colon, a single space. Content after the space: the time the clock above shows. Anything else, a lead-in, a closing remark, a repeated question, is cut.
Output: 1:26:25
